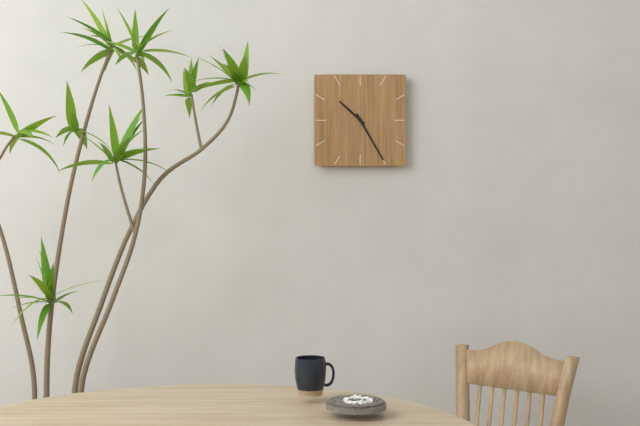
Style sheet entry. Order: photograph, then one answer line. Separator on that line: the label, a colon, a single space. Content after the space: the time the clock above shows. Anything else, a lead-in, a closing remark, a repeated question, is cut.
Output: 10:25
